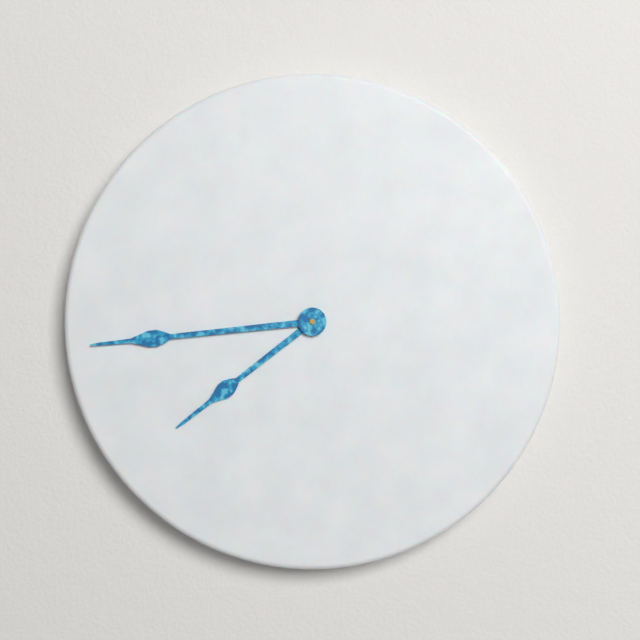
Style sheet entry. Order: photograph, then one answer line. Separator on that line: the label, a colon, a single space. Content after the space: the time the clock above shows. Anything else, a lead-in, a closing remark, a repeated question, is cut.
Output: 7:44
